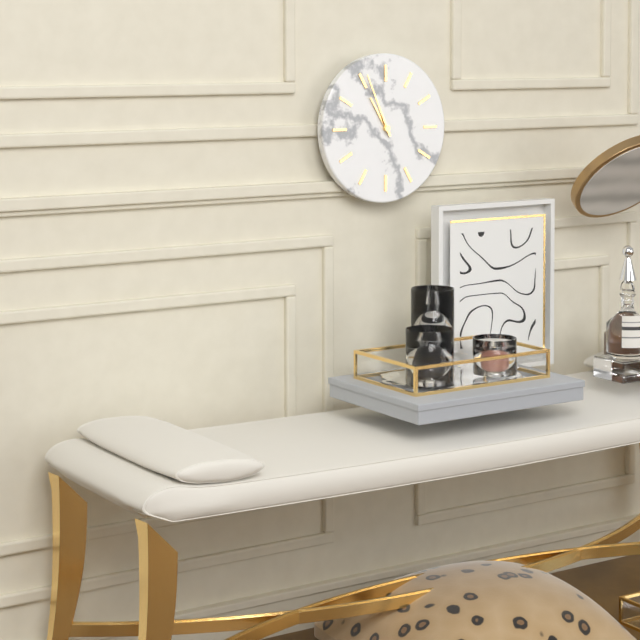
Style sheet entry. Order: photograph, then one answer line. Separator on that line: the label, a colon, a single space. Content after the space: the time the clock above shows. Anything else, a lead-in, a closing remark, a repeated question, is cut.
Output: 10:56
